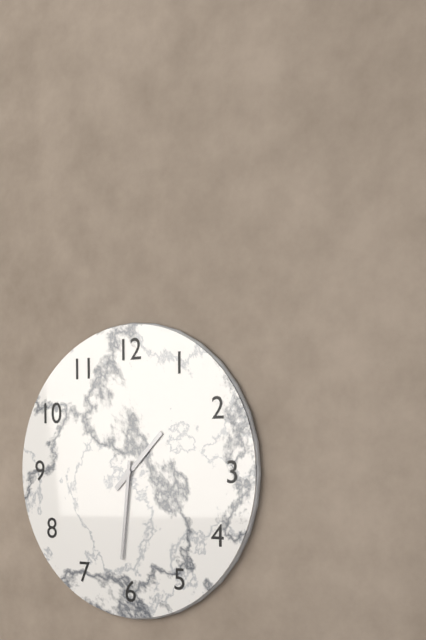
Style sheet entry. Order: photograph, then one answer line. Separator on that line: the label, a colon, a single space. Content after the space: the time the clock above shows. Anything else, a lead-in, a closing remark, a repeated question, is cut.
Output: 1:31
